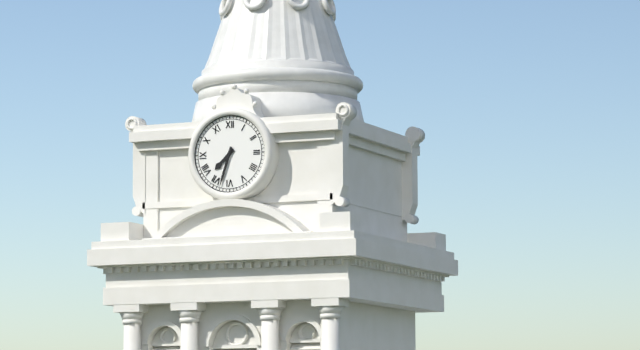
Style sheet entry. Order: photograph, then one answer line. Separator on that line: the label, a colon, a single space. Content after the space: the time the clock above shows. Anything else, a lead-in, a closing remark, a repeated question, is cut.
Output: 7:33
